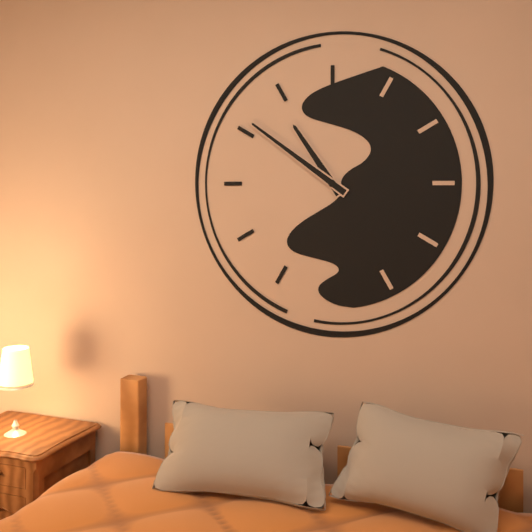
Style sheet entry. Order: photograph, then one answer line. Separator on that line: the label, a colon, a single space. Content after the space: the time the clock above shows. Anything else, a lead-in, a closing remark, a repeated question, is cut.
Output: 10:51
